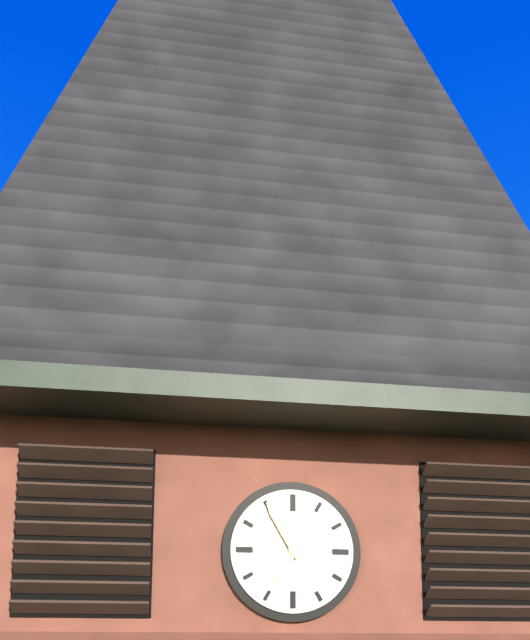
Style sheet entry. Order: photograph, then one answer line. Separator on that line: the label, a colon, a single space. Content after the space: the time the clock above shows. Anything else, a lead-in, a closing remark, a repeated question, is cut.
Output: 6:55
